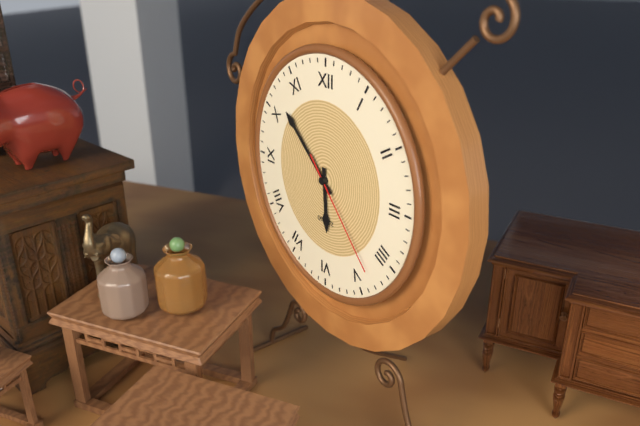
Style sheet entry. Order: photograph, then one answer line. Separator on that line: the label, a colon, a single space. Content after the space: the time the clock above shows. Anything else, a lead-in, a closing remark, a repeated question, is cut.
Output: 5:52:23
